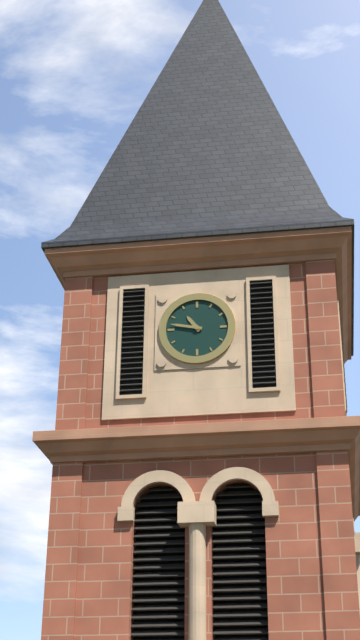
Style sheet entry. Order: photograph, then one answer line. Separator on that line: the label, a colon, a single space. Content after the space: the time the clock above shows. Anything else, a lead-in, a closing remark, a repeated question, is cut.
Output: 10:47
